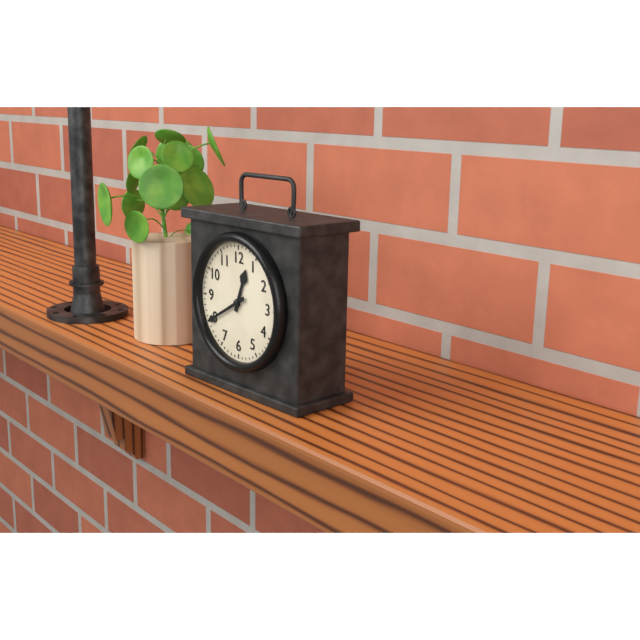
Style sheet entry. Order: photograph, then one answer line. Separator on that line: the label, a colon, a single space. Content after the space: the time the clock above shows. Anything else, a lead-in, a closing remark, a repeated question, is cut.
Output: 12:40
